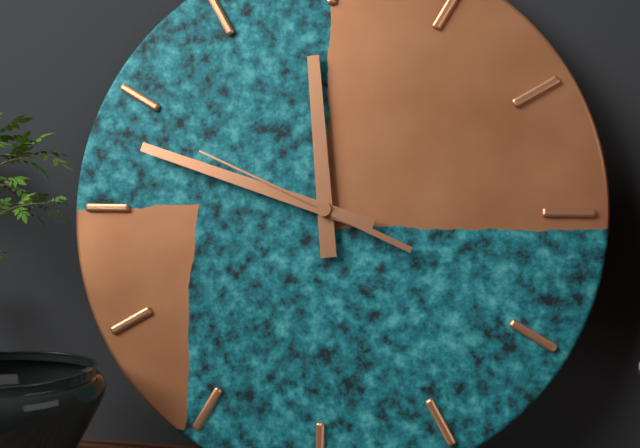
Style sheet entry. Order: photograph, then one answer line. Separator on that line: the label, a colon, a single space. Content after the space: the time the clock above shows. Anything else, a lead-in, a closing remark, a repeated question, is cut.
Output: 11:48:49
